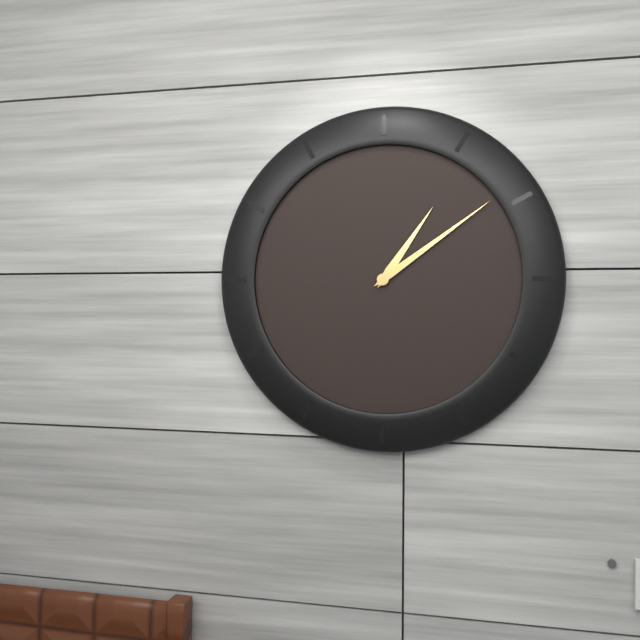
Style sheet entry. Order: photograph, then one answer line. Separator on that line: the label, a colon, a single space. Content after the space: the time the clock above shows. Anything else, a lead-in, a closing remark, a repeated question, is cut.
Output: 1:09
